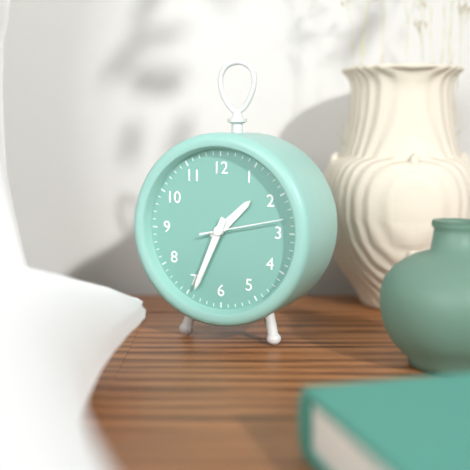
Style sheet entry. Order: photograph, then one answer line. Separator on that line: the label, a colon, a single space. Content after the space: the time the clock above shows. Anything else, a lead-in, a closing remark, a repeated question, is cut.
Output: 1:34:13
